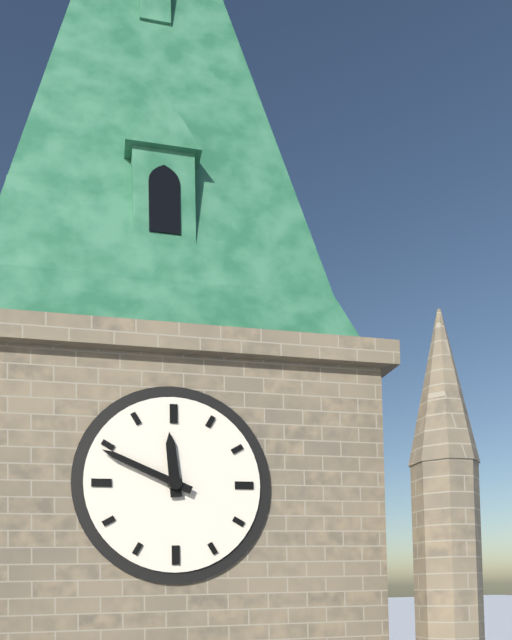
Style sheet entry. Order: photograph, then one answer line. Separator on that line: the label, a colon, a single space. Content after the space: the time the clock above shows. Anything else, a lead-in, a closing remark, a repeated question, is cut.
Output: 11:49
